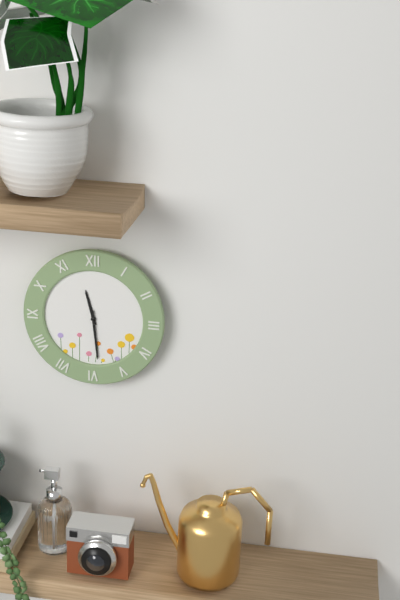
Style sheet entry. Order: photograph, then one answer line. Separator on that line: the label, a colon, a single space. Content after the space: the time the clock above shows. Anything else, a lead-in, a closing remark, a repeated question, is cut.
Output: 11:29
